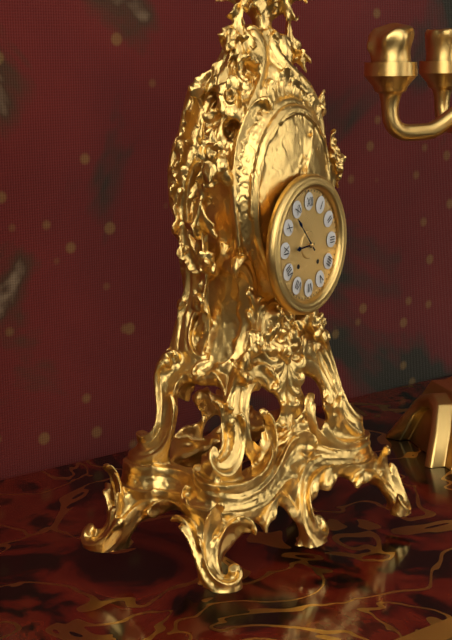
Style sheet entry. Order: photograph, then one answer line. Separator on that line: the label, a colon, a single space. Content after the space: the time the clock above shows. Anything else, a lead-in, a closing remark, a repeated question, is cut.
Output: 8:53
